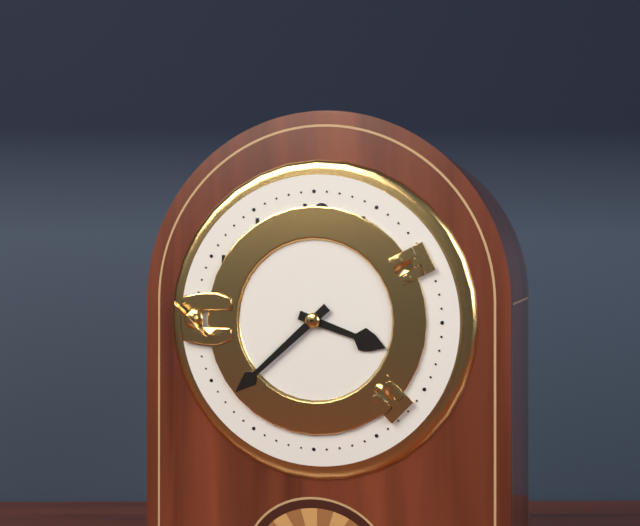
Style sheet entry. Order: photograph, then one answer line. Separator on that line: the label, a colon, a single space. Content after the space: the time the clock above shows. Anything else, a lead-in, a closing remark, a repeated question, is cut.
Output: 3:38
